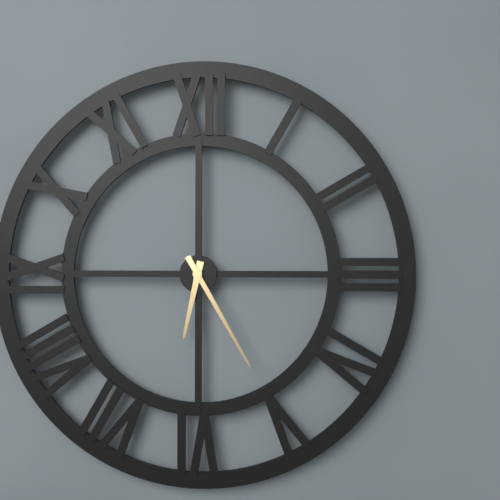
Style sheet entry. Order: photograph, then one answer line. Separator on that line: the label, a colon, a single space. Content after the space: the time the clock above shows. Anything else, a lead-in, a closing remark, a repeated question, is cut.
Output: 6:25
